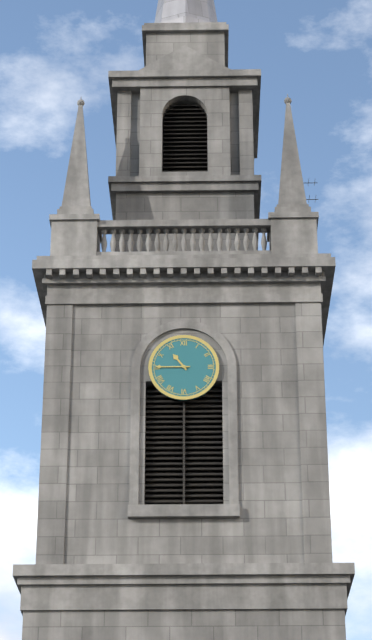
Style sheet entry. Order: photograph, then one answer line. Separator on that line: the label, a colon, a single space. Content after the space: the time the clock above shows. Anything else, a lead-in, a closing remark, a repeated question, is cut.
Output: 10:45
